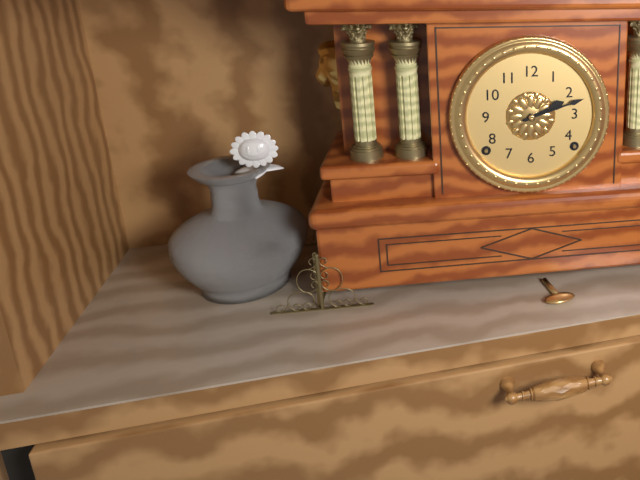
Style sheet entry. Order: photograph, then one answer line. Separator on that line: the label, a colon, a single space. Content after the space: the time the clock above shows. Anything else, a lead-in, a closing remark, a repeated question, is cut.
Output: 2:12
